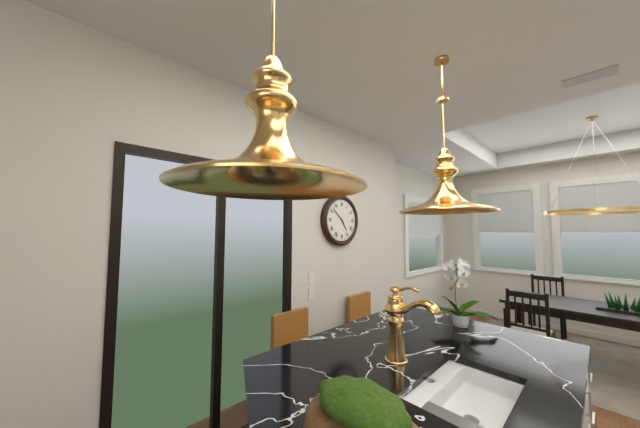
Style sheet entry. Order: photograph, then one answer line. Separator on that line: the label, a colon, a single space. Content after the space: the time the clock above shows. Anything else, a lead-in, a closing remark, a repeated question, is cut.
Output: 4:52
